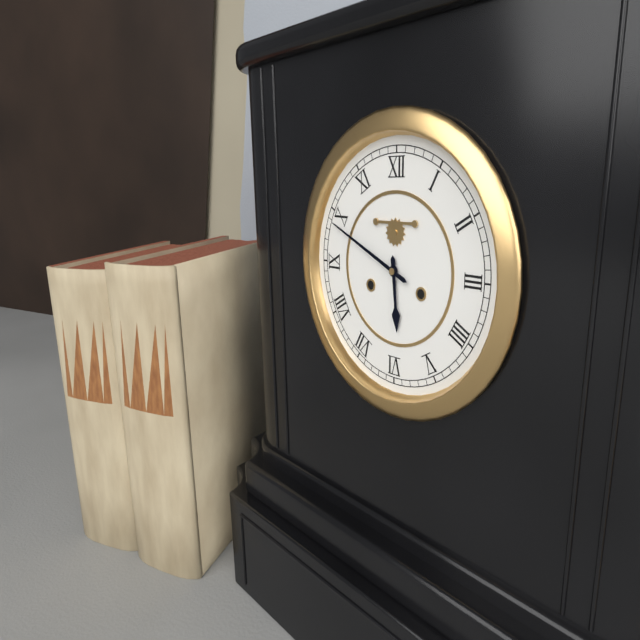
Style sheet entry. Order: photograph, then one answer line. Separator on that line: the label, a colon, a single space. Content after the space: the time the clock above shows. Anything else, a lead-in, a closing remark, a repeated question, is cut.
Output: 5:49
